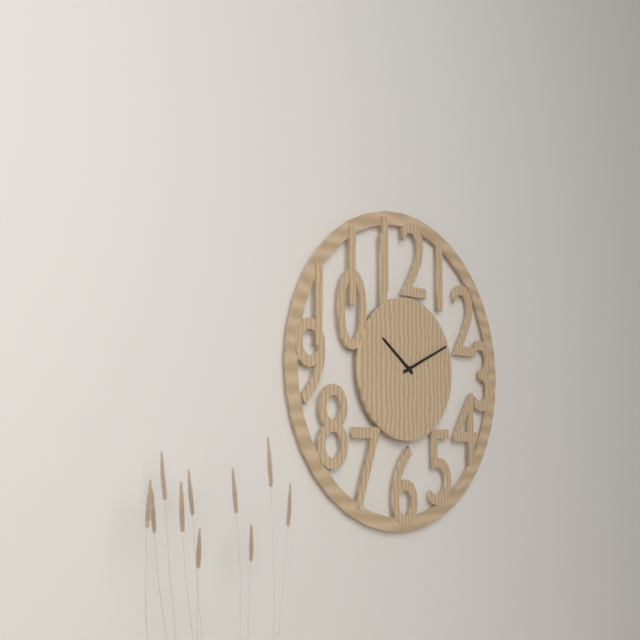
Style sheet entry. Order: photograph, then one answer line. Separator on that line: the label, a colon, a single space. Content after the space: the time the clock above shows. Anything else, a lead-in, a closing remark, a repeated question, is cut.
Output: 10:11
